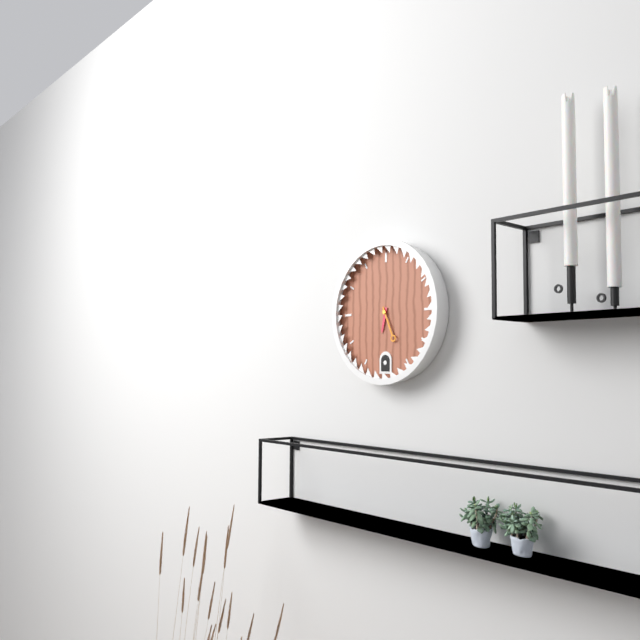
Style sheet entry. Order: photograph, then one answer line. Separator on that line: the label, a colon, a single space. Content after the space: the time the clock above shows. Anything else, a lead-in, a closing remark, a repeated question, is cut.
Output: 6:26
